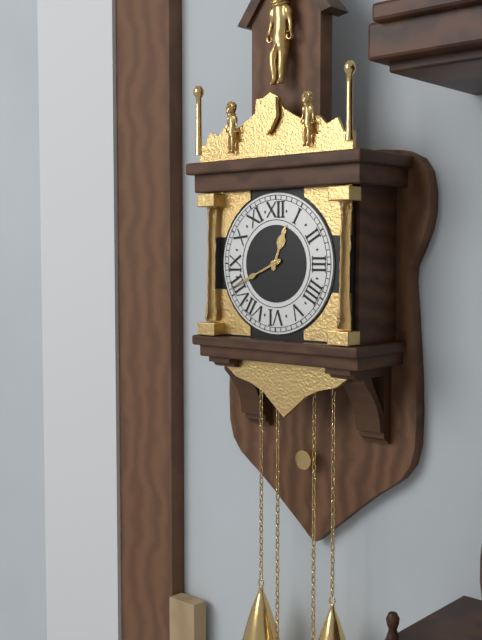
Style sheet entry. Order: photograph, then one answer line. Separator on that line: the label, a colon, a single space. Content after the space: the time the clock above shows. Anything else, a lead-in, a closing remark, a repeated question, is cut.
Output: 12:41
